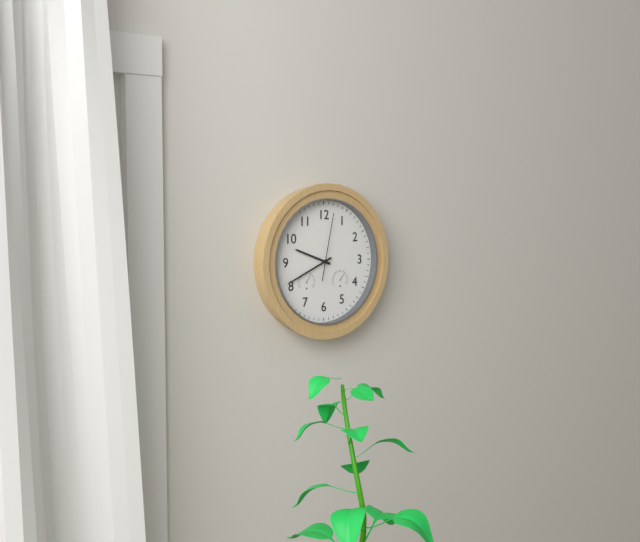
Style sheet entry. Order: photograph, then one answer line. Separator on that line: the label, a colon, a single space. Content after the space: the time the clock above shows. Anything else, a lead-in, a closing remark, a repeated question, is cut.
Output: 9:41:02
